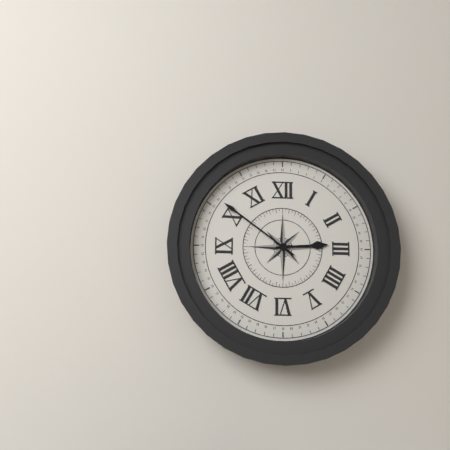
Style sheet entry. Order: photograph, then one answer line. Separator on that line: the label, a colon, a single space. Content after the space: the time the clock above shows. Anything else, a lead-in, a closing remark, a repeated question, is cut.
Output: 2:51
